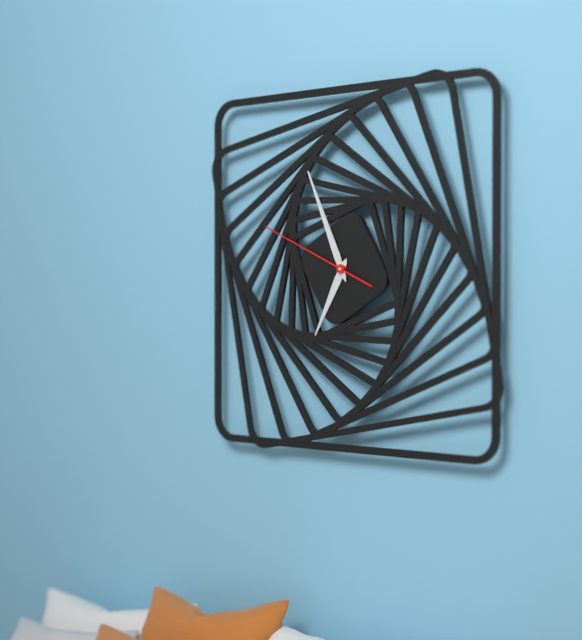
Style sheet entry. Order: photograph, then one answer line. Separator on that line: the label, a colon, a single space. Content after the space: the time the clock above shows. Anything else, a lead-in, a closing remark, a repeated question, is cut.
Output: 6:56:49
